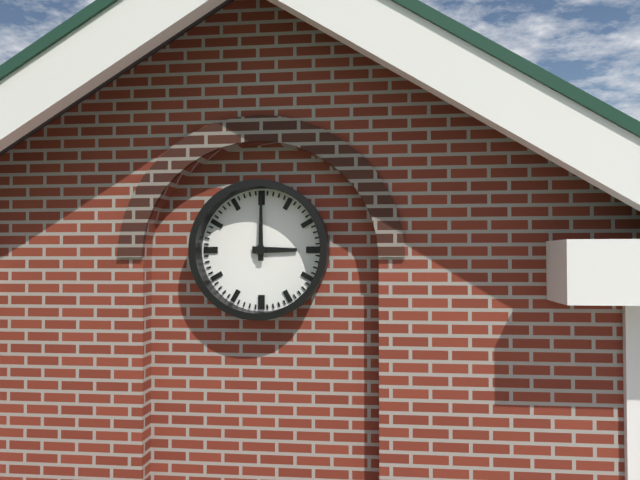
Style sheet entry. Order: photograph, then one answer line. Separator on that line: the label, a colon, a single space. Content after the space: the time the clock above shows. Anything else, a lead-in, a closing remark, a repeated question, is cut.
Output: 3:00
